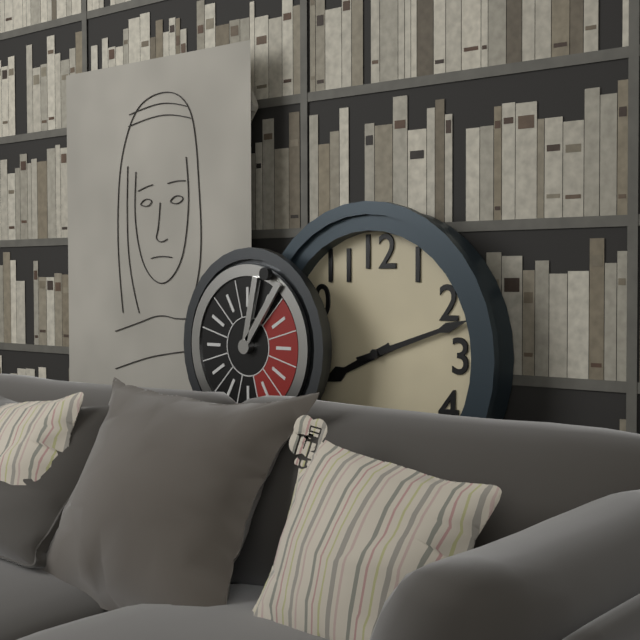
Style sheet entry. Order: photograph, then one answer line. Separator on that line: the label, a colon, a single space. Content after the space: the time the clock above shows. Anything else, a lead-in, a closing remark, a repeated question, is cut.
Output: 8:12
